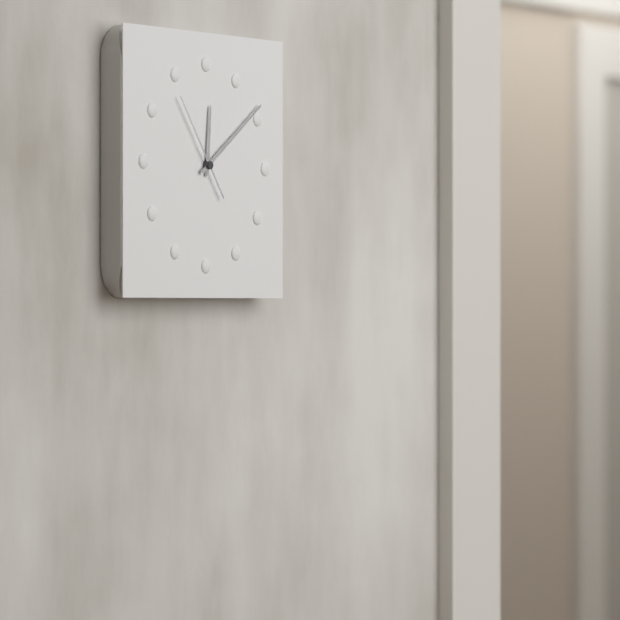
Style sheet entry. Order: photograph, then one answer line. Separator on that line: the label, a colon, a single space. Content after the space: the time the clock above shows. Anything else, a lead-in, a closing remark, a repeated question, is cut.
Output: 12:09:54
